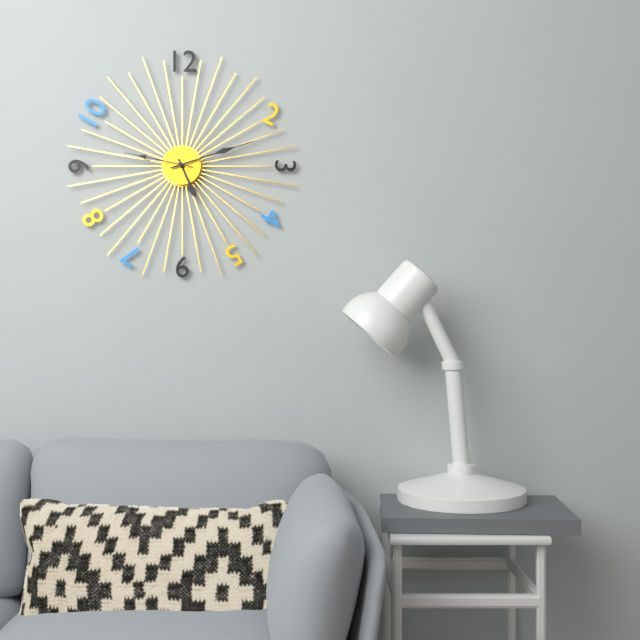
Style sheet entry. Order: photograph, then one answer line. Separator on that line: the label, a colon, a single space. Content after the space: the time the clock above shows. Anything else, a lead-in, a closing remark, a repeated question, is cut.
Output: 5:12:47
